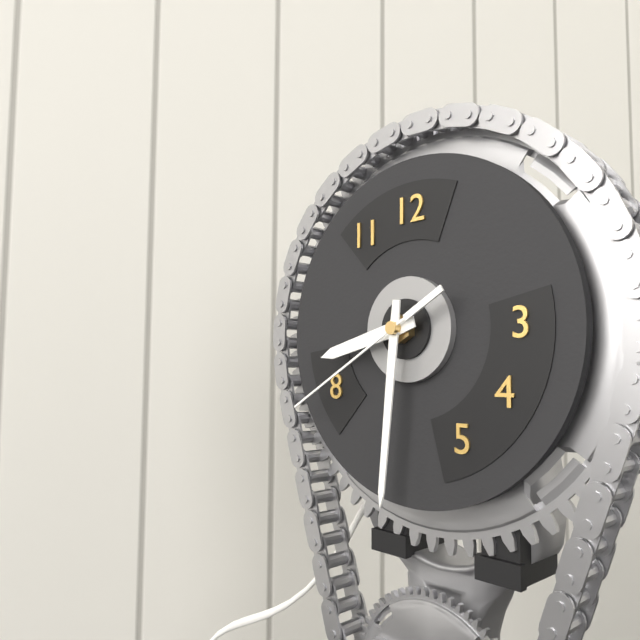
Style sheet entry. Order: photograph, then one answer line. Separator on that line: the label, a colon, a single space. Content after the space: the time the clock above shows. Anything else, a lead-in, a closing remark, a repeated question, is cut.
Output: 8:31:40
